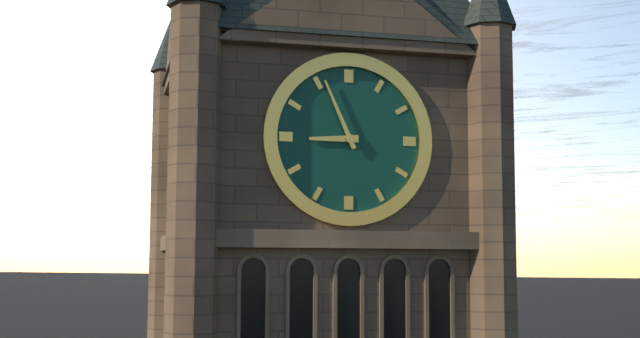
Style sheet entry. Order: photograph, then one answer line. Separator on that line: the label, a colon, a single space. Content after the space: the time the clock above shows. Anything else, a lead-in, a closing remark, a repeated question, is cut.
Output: 8:56
